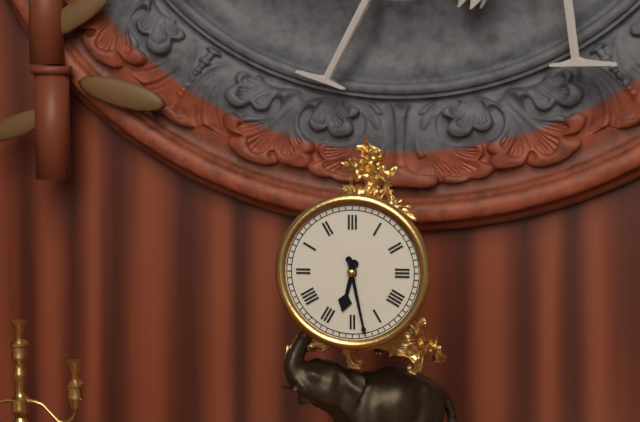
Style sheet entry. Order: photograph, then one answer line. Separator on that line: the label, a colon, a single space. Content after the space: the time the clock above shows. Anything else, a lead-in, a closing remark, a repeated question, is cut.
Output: 6:28
